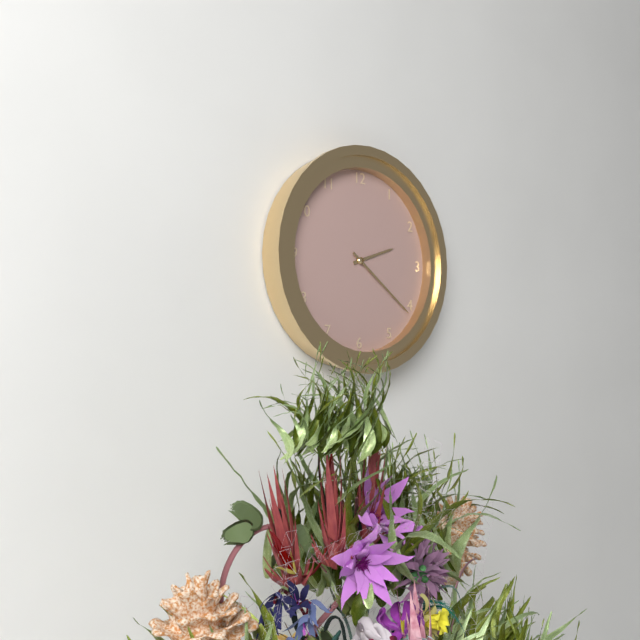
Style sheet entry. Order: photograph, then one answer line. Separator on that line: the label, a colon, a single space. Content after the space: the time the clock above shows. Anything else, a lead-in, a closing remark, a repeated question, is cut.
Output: 2:21
